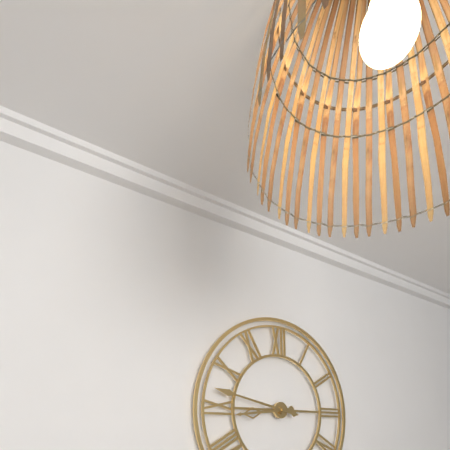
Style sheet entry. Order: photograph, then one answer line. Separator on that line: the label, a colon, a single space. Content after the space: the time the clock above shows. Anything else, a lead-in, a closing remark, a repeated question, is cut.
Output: 8:47
